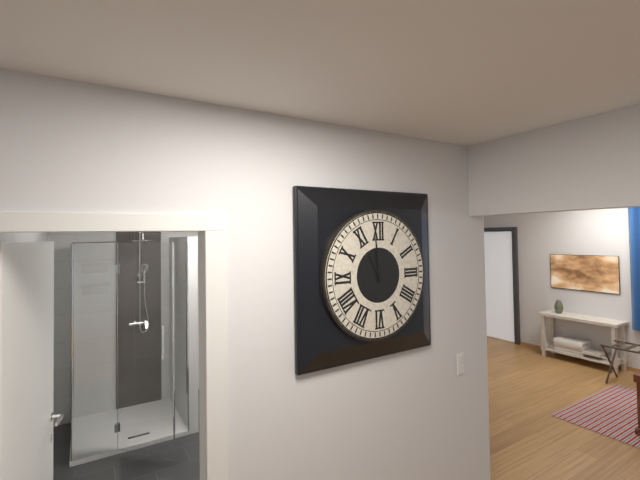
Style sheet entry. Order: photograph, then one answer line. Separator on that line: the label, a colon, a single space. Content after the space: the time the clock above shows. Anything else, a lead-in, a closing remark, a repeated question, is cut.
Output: 10:59
